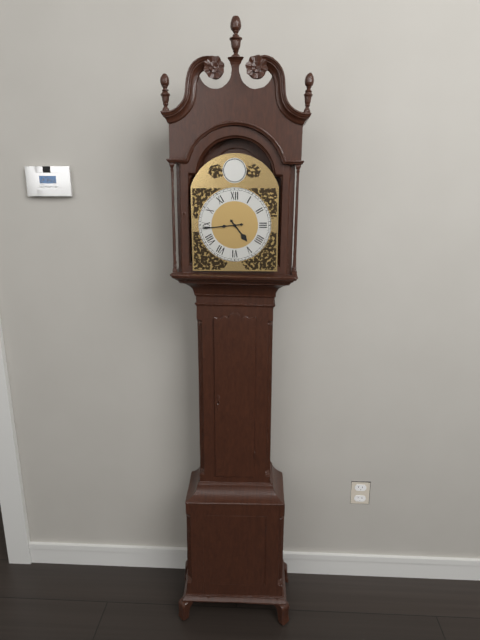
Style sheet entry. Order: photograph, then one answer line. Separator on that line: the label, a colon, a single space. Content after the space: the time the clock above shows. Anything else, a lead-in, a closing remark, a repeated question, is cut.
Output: 4:44
